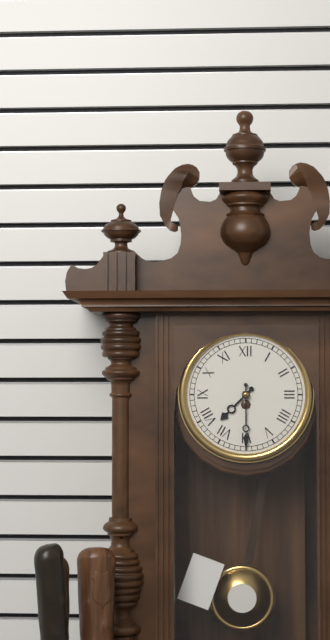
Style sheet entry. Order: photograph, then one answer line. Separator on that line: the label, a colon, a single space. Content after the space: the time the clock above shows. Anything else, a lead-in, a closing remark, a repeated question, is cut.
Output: 7:30
